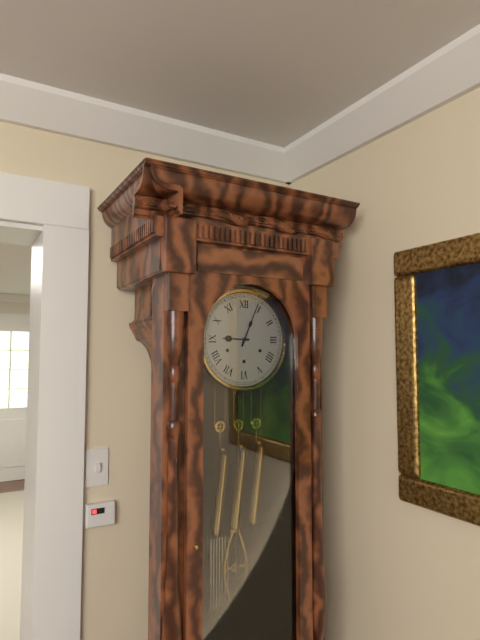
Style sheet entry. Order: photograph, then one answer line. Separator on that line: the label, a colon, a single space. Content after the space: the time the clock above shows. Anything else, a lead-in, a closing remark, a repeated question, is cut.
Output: 9:04
